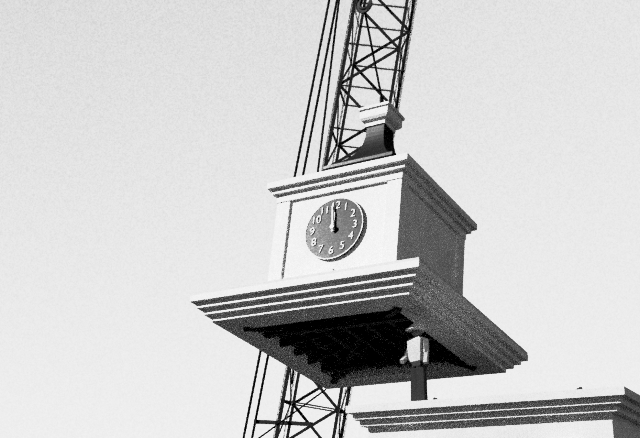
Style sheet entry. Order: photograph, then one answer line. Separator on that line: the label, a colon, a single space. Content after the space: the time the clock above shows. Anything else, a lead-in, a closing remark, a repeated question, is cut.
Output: 11:59
